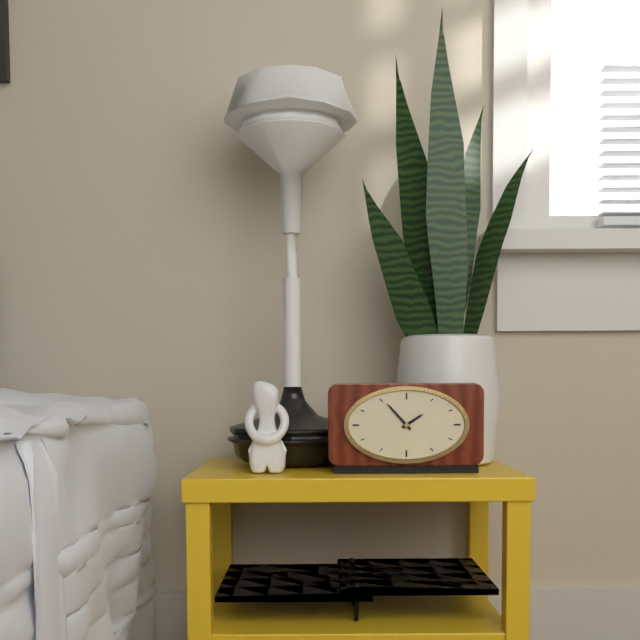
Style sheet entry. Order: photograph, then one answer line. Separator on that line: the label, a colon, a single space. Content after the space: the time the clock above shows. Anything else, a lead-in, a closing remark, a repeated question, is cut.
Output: 1:53
